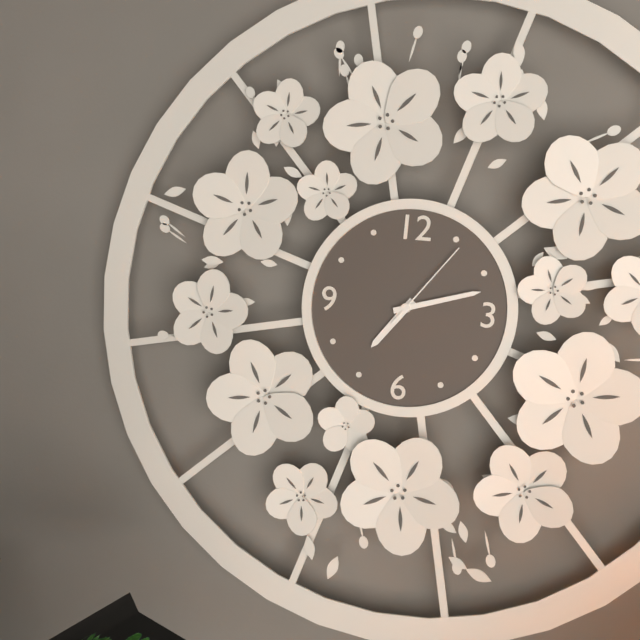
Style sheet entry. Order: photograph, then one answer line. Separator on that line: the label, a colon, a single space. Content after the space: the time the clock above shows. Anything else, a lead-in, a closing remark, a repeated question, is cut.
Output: 7:12:06
